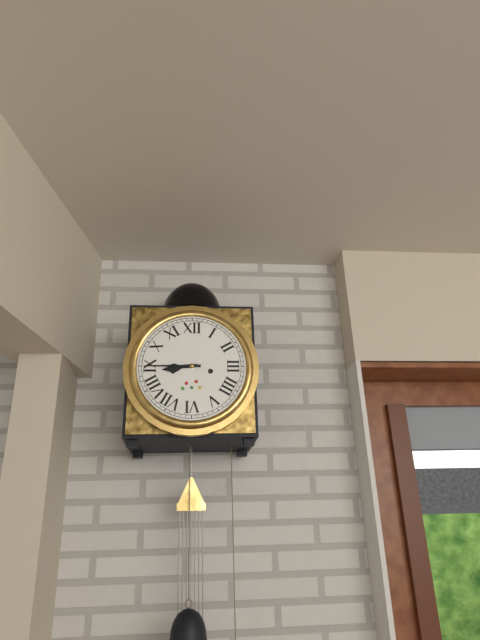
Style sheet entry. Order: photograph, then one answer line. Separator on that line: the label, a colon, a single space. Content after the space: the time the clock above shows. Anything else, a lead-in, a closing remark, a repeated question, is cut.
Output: 8:45
